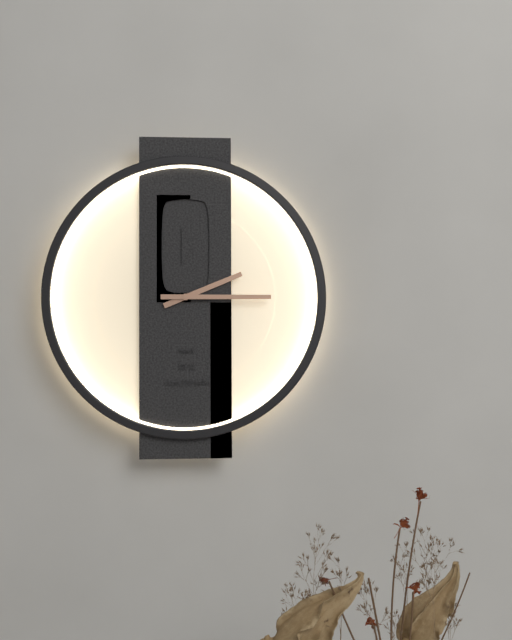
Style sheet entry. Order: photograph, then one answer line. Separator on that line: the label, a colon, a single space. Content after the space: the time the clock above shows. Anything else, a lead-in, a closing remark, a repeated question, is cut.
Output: 2:15
